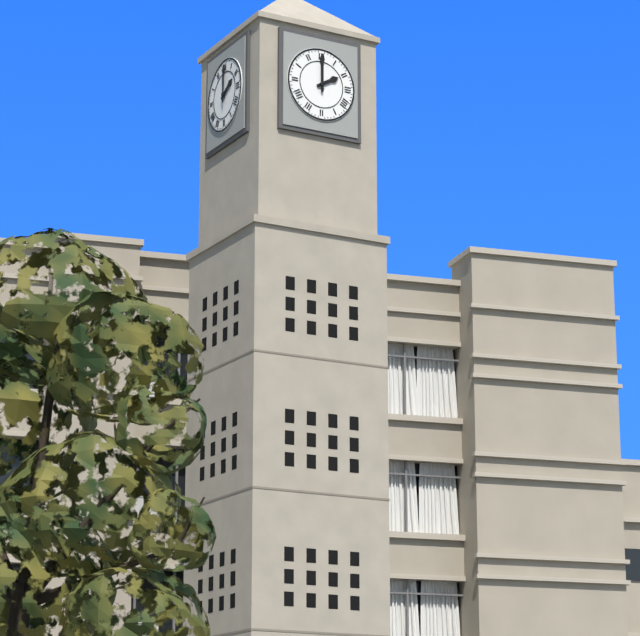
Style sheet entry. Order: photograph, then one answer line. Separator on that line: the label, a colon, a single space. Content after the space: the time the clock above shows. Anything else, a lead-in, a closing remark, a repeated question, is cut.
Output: 2:00
